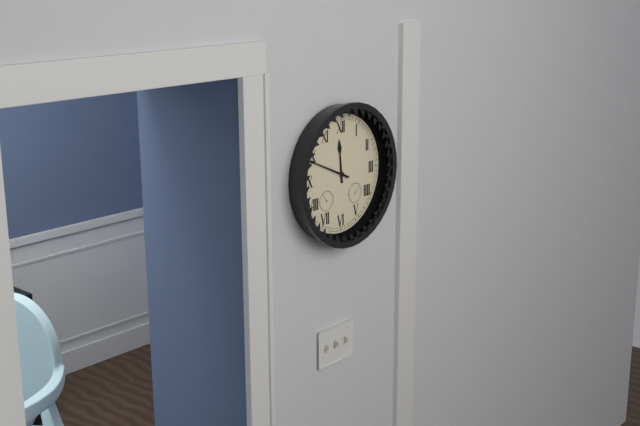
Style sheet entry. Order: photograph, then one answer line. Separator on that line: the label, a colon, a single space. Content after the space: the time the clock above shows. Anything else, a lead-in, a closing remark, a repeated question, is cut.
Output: 11:49
